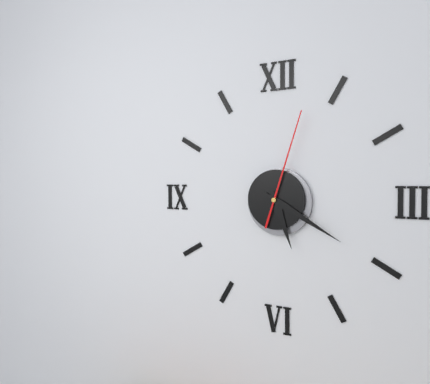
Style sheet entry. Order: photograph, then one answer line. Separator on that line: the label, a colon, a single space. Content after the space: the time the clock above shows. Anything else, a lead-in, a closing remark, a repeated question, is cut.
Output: 5:20:03
